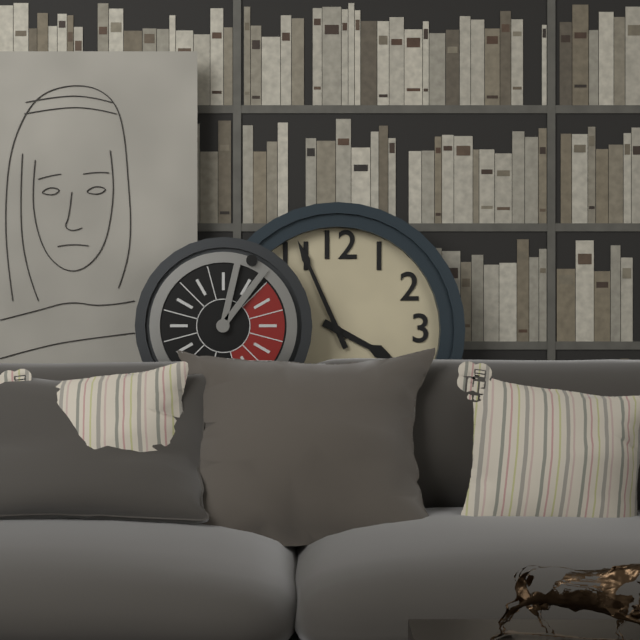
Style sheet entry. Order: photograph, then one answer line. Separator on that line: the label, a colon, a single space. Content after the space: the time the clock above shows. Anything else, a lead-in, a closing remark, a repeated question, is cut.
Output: 3:56
